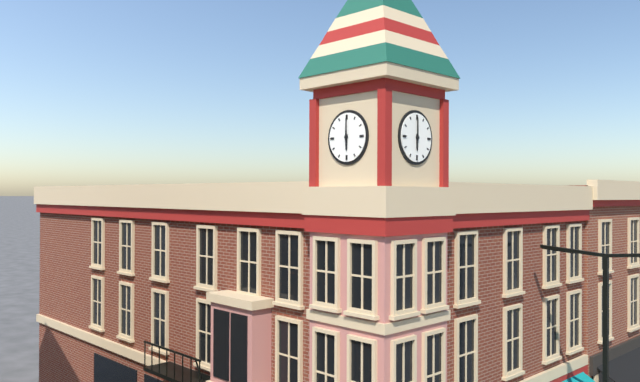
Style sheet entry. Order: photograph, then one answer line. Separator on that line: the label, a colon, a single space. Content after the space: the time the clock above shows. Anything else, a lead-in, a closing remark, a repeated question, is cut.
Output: 6:00
